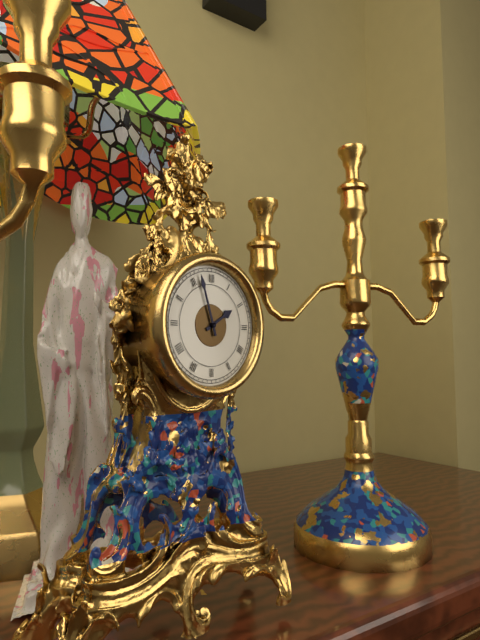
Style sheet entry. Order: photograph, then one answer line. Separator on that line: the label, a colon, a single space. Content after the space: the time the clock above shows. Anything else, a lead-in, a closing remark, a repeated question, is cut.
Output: 1:57
